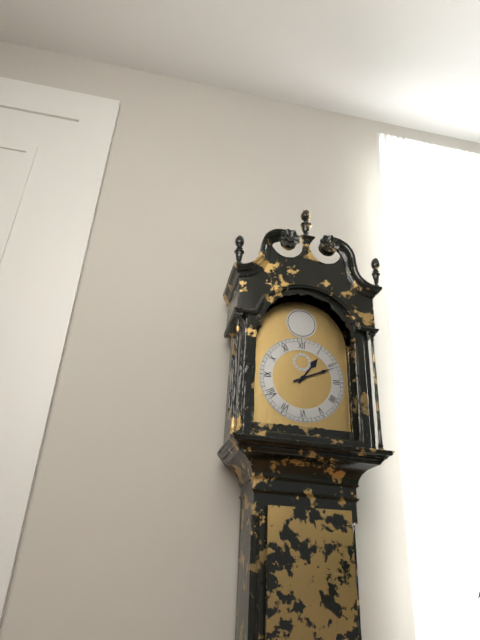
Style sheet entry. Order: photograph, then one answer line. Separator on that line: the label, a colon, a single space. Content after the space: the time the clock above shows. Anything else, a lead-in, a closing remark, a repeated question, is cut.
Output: 1:11
